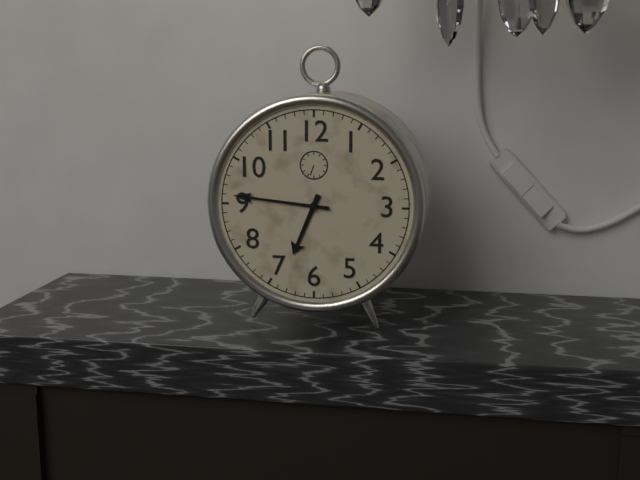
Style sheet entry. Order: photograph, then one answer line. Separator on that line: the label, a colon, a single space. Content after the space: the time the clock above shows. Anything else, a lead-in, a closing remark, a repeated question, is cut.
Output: 6:46
